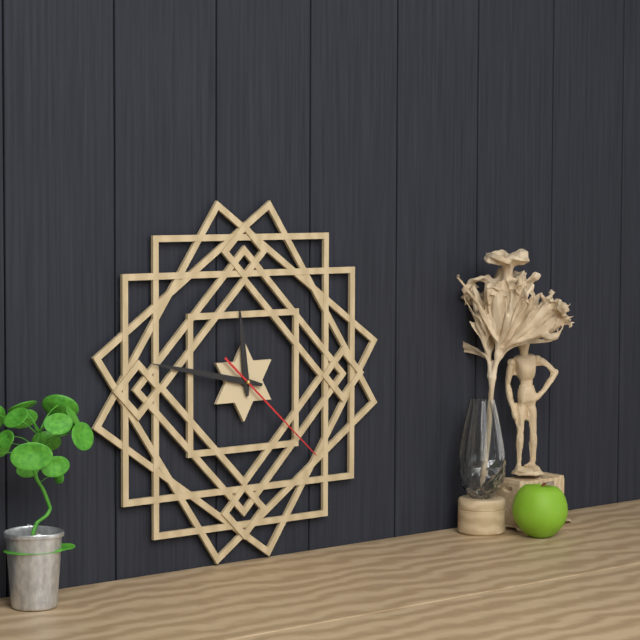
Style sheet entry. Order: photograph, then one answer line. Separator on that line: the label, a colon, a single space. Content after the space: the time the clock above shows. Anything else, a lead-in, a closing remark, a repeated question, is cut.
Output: 11:47:22
